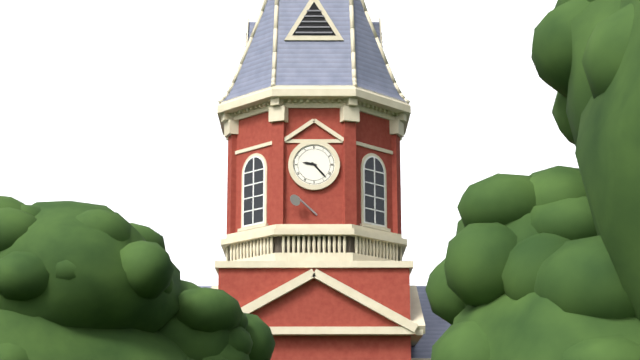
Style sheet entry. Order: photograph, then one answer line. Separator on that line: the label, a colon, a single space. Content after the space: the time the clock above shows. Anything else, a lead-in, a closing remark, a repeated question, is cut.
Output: 9:23
